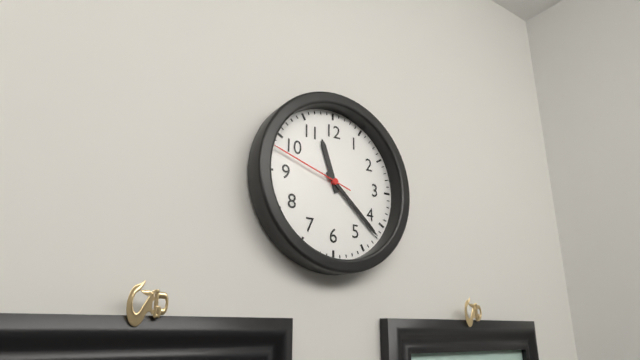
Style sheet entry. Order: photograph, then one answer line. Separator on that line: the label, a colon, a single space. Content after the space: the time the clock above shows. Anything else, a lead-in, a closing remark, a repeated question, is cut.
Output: 11:22:48
